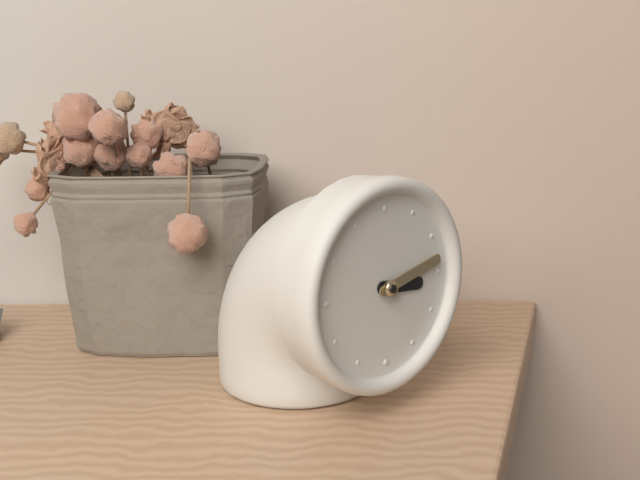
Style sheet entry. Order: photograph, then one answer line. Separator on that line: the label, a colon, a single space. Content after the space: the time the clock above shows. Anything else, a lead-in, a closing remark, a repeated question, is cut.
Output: 3:13
